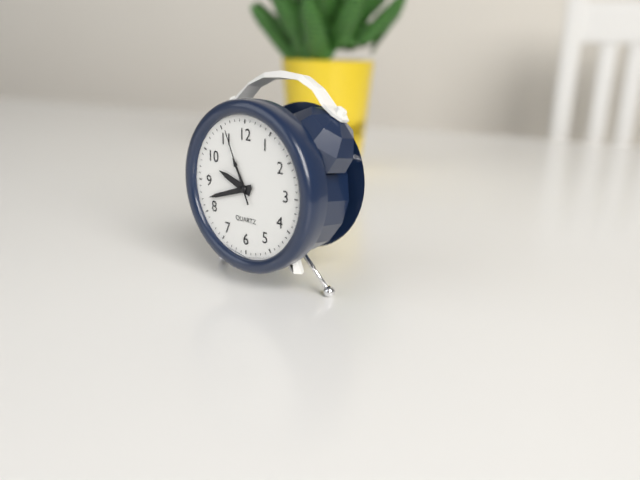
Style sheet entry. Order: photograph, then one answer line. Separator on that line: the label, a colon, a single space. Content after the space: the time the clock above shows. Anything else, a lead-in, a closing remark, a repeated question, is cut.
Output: 9:42:56
